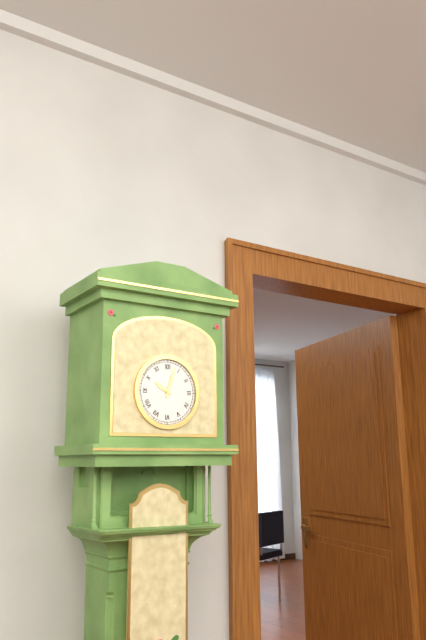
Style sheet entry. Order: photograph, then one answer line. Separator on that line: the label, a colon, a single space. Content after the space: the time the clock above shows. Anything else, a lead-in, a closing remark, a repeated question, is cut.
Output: 10:03
